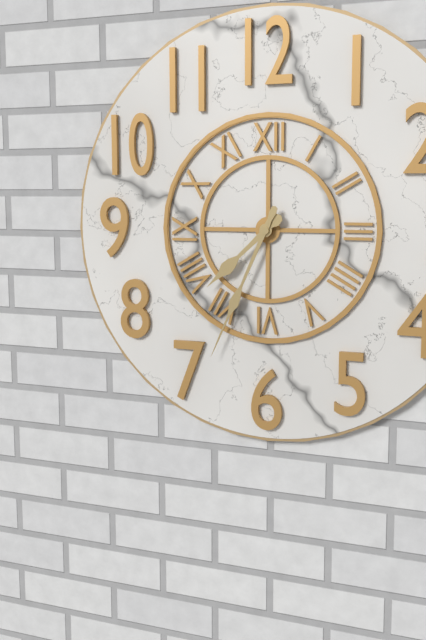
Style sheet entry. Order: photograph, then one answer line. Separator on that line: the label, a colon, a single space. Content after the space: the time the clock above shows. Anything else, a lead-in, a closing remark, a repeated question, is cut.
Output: 7:34
